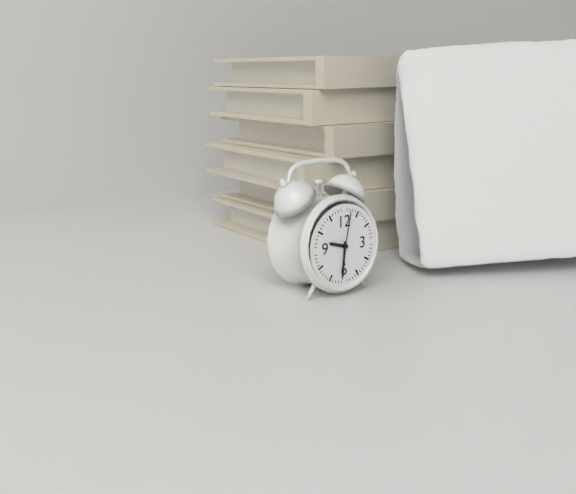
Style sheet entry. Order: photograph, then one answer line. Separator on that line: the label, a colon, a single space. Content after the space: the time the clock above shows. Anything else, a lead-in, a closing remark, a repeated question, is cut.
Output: 9:31
